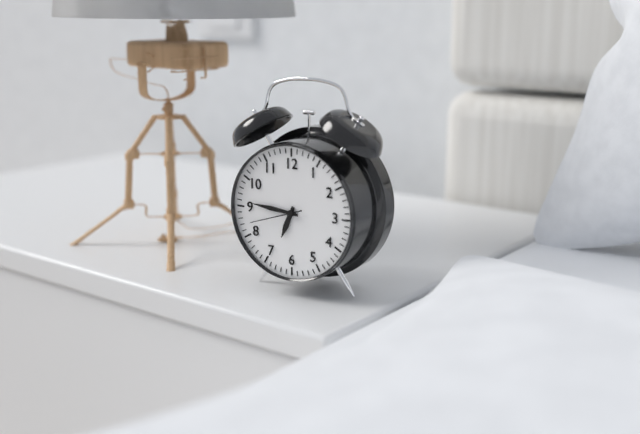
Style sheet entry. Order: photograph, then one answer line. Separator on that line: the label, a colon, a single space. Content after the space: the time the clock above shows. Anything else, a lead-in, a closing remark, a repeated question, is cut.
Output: 6:46:42
